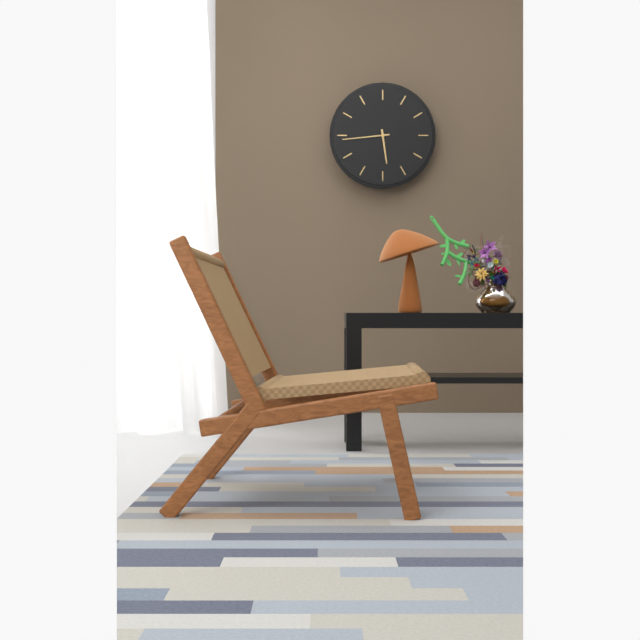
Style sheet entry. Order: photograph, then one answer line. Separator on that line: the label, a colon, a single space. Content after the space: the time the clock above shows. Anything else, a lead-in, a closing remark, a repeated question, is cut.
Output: 5:44
